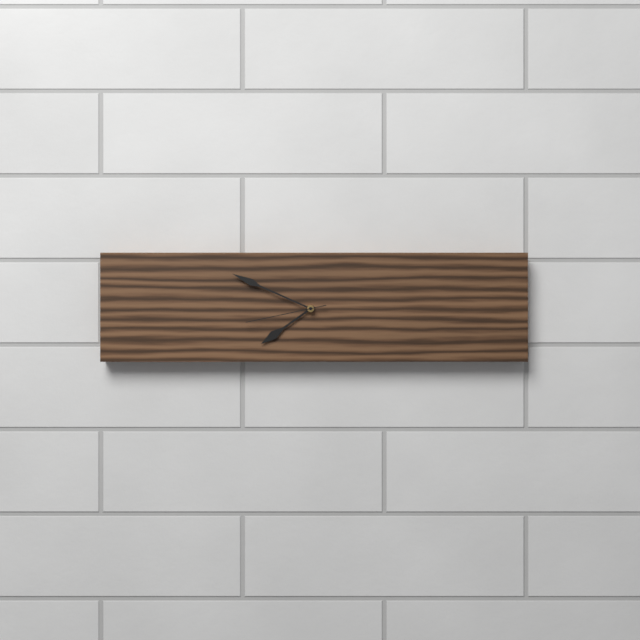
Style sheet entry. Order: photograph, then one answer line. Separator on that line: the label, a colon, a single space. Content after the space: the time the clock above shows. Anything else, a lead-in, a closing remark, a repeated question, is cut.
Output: 7:49:43
